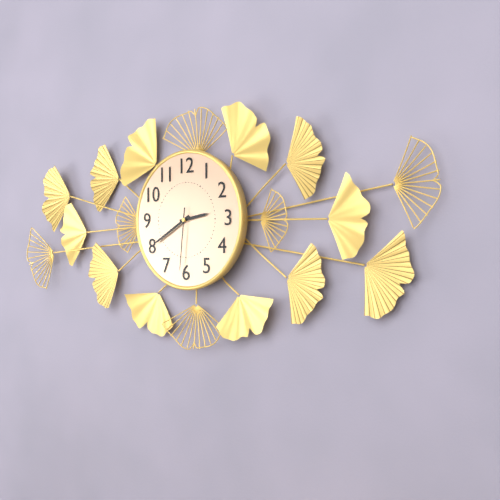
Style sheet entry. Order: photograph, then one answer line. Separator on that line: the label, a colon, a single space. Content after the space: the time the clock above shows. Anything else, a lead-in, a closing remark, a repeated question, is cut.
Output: 2:40:31
